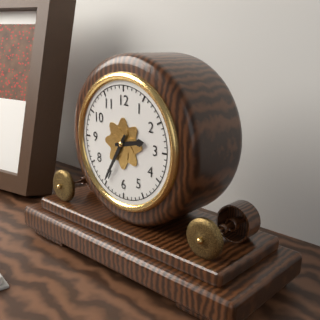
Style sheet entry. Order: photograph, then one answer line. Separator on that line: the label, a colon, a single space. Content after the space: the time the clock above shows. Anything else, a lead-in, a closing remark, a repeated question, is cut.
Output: 2:35
